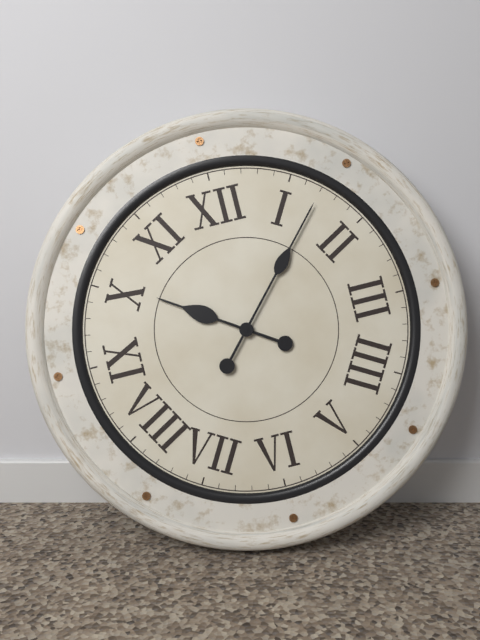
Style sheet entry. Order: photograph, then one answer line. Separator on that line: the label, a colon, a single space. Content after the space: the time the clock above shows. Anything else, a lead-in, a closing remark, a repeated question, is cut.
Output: 10:07
